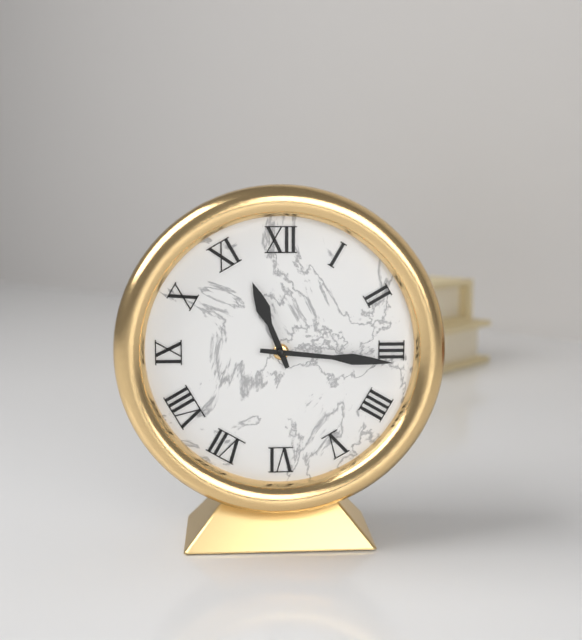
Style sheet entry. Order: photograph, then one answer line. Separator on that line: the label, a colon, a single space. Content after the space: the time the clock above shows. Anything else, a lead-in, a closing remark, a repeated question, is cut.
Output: 11:16
